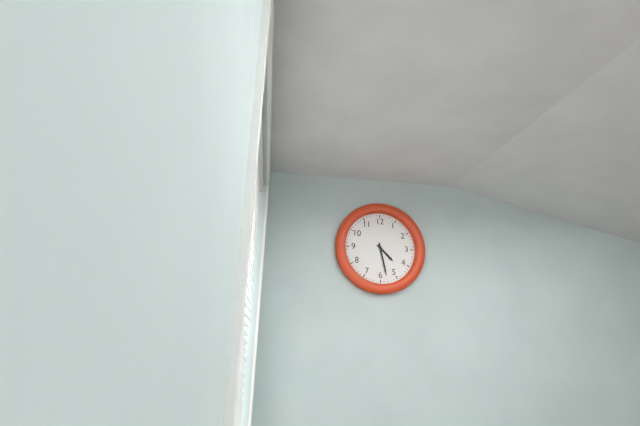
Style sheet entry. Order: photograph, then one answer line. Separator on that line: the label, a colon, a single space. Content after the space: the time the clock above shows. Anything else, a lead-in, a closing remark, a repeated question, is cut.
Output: 4:28
